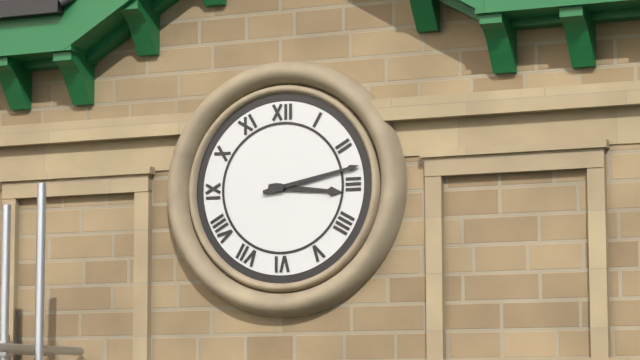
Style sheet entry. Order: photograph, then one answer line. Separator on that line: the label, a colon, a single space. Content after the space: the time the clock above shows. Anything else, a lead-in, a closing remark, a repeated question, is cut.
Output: 3:13
